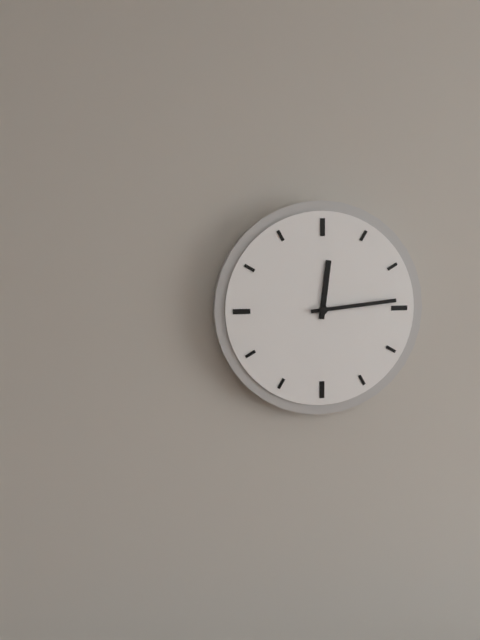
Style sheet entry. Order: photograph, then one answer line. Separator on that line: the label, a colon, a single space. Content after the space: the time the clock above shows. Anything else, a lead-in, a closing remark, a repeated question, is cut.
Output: 12:14
